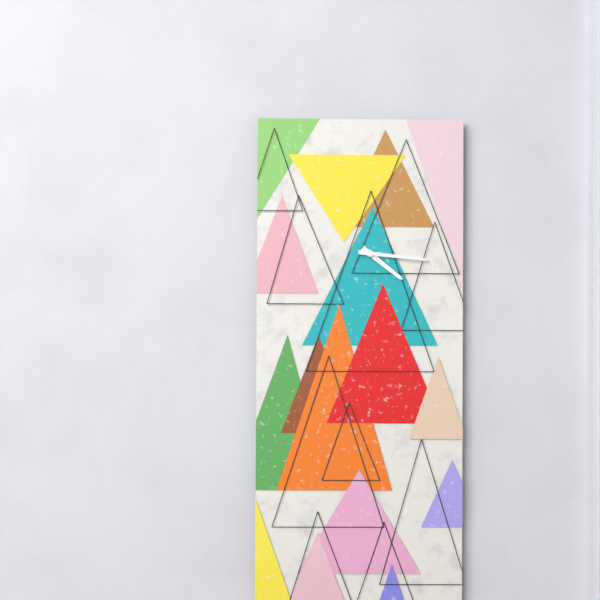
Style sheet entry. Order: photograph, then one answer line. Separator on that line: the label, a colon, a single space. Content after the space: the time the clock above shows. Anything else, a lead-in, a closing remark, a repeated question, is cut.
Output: 4:16
